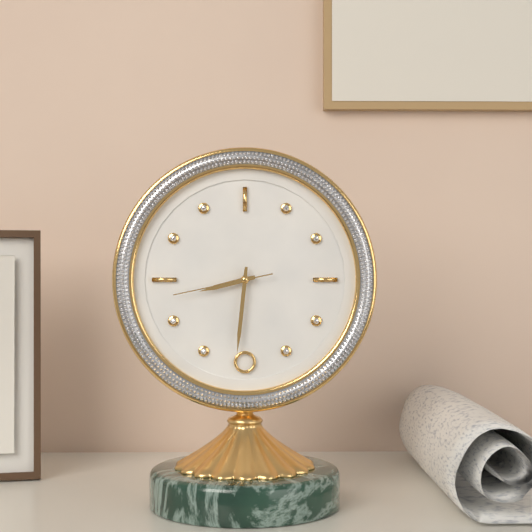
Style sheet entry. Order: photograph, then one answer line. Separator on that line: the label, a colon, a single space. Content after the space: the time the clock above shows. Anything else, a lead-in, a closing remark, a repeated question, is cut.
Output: 8:31:43
